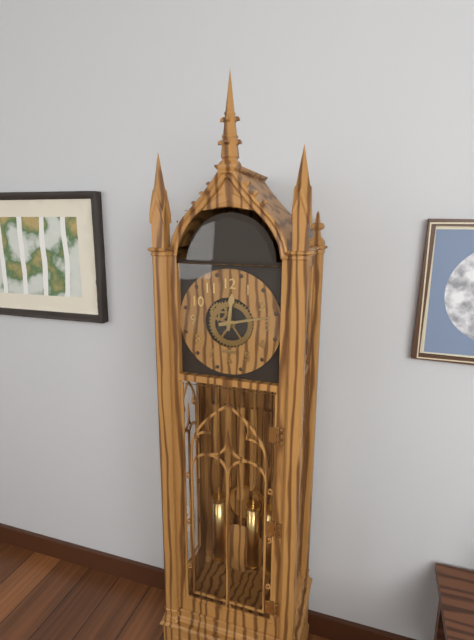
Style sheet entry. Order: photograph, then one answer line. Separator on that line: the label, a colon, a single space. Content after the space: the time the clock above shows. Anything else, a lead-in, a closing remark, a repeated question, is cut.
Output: 12:13
